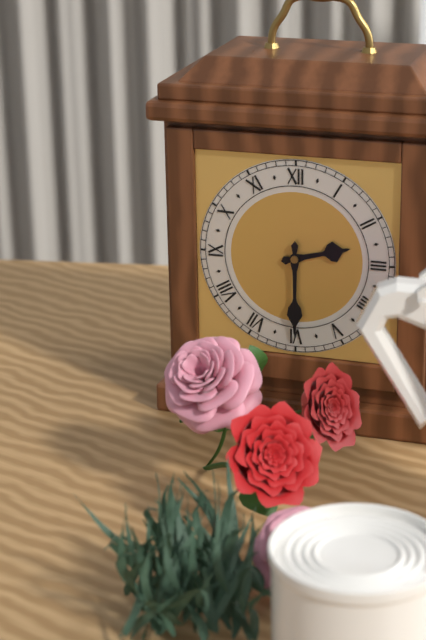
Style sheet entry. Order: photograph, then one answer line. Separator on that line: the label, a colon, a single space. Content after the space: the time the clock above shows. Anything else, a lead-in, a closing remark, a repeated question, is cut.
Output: 2:30
